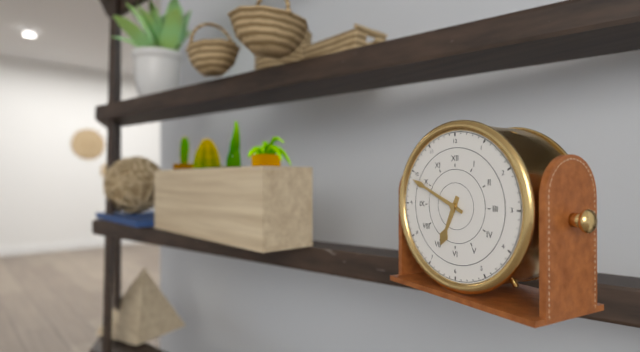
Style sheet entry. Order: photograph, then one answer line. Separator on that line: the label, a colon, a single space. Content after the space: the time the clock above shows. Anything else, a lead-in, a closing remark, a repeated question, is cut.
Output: 6:49
